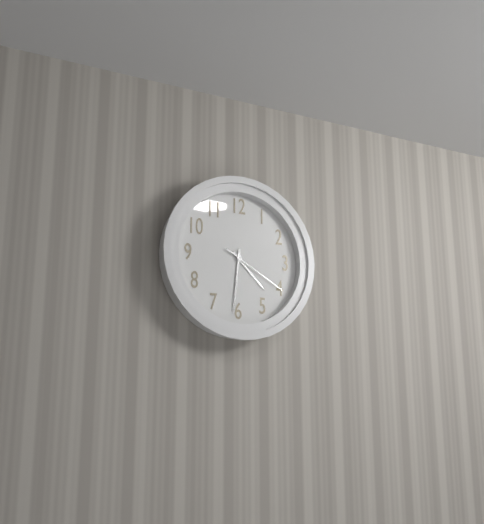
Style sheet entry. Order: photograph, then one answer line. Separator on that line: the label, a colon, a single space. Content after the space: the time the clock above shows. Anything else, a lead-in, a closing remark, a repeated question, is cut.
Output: 4:31:20
